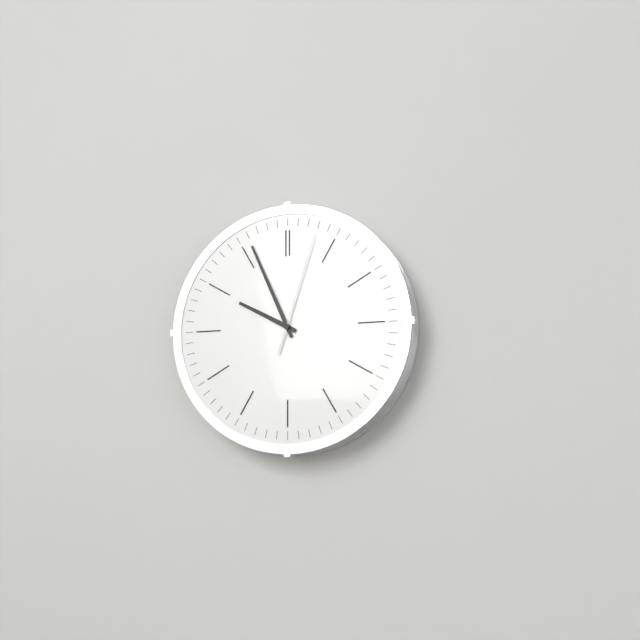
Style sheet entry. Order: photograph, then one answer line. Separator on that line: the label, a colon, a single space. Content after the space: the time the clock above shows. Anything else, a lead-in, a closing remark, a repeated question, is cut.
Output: 9:56:03
